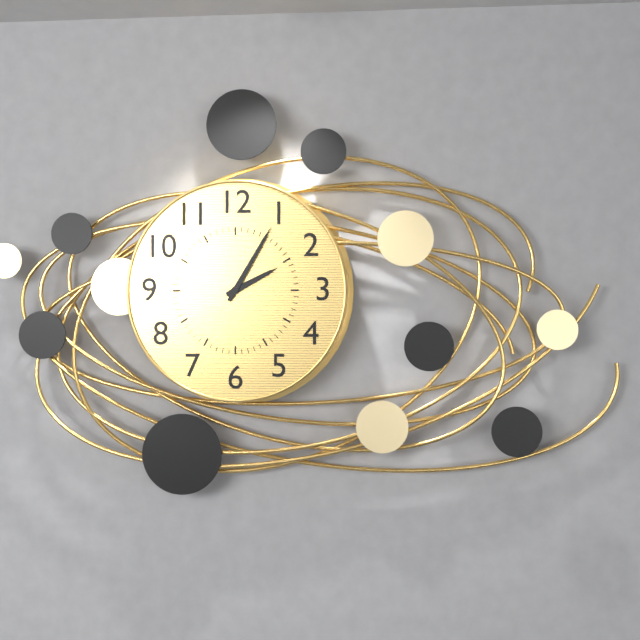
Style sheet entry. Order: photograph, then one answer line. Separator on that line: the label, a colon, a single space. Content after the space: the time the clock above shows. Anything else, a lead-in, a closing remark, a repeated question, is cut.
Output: 2:05
